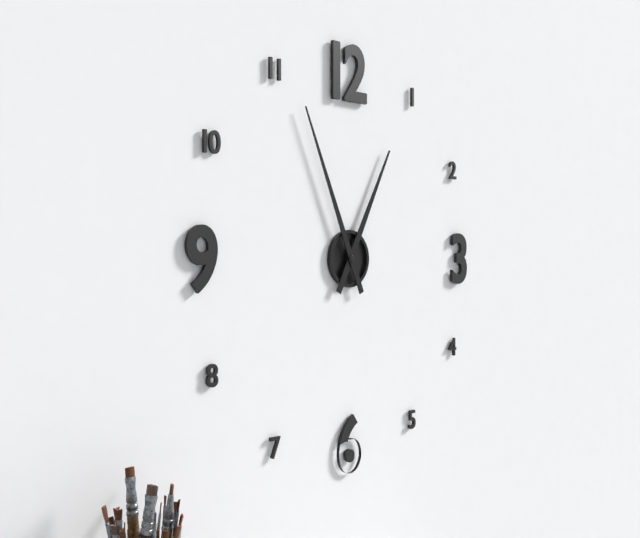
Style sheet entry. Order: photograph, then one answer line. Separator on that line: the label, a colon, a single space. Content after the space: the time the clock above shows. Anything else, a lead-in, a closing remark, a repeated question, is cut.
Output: 12:56
